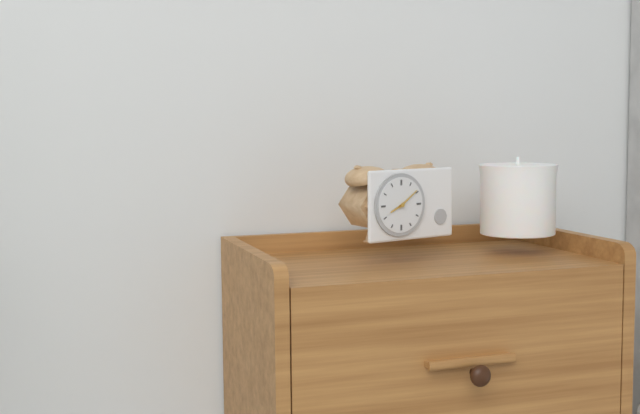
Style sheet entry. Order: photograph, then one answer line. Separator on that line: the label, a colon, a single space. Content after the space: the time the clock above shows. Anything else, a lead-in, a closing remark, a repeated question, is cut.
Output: 8:09
